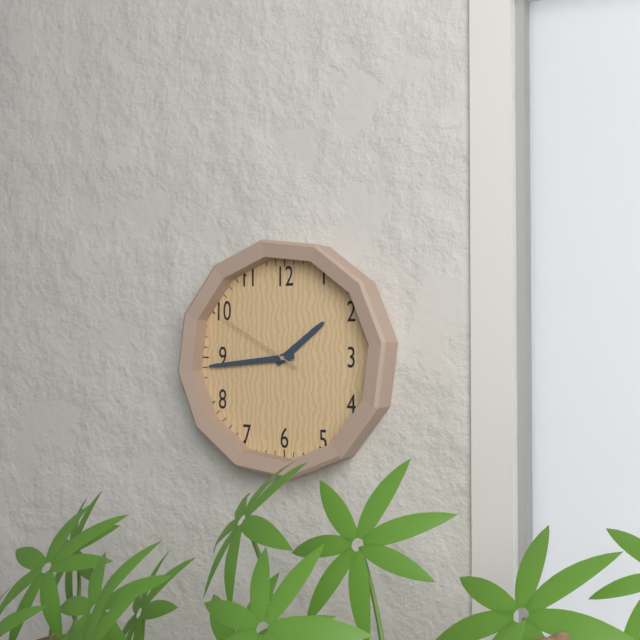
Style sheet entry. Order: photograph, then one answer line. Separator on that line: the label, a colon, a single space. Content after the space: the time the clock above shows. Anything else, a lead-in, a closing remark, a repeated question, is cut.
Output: 1:44:50
